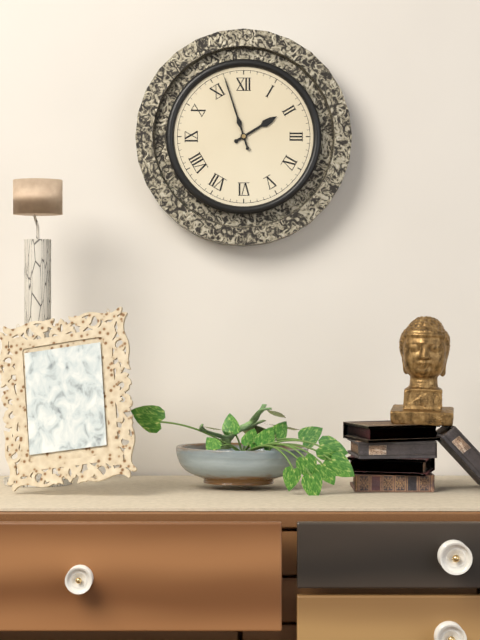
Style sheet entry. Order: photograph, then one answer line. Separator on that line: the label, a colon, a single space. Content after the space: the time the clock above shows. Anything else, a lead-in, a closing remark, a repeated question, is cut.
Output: 1:57
